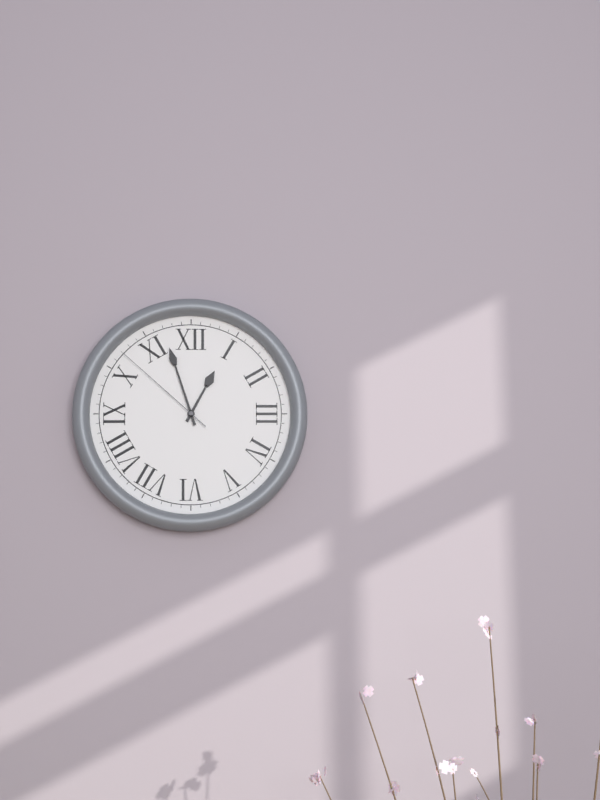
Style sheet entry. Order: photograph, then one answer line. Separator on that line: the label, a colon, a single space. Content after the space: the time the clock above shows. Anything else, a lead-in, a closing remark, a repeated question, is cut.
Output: 12:57:52
